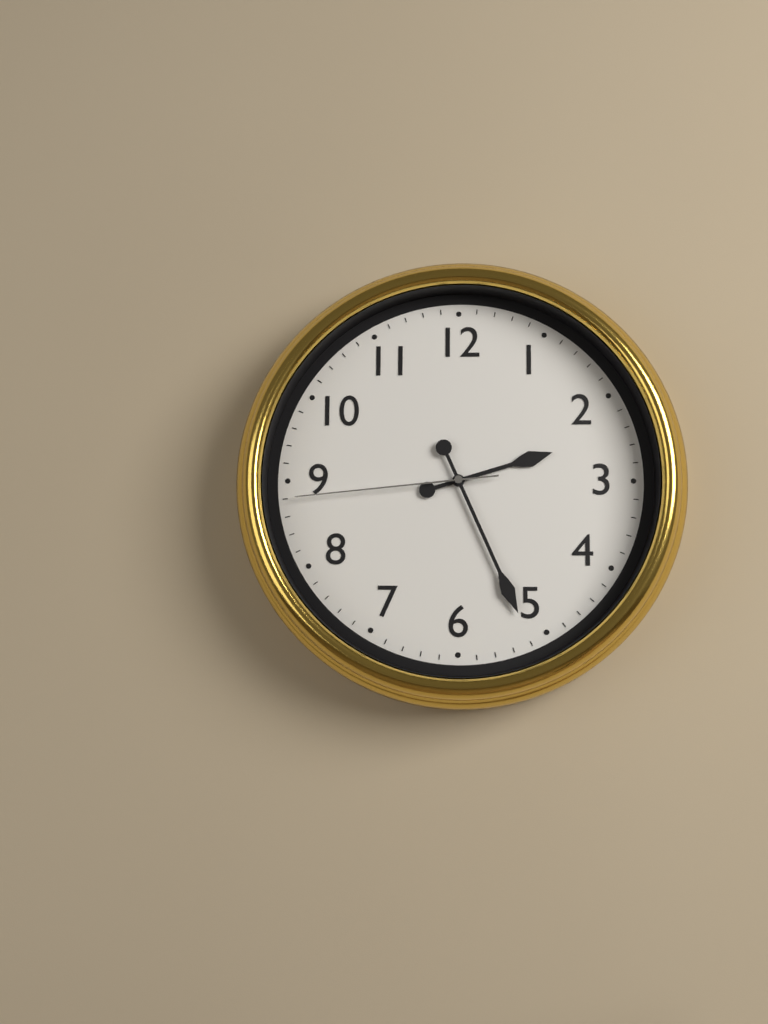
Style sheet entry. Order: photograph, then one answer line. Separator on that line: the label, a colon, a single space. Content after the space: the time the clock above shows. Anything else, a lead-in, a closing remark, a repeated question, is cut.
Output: 2:26:44
